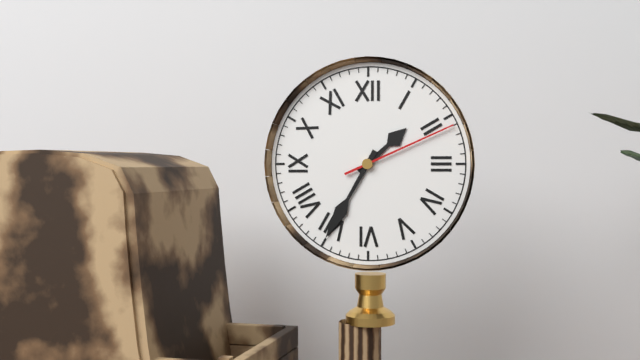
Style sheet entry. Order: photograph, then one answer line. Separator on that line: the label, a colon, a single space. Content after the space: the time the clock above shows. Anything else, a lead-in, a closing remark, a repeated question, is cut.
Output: 1:35:11
